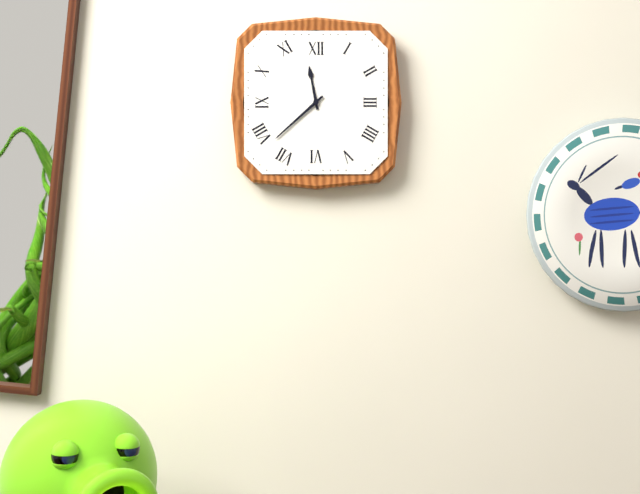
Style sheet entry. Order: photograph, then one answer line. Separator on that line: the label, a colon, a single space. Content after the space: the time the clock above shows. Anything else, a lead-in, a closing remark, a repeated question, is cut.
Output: 11:38
